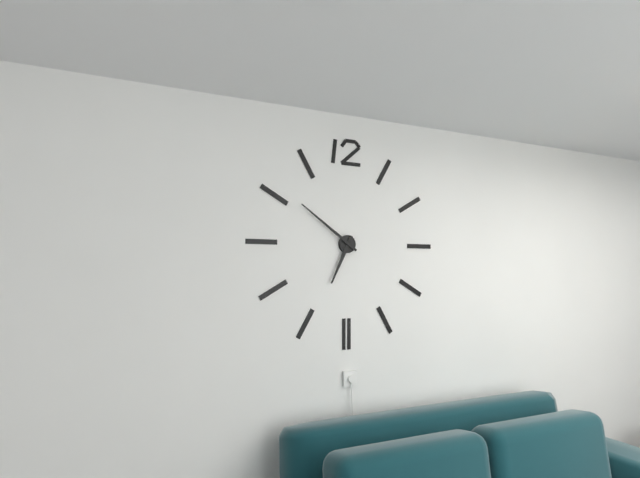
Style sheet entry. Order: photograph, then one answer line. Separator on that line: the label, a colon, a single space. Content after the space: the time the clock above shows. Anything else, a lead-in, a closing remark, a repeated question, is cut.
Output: 6:51
